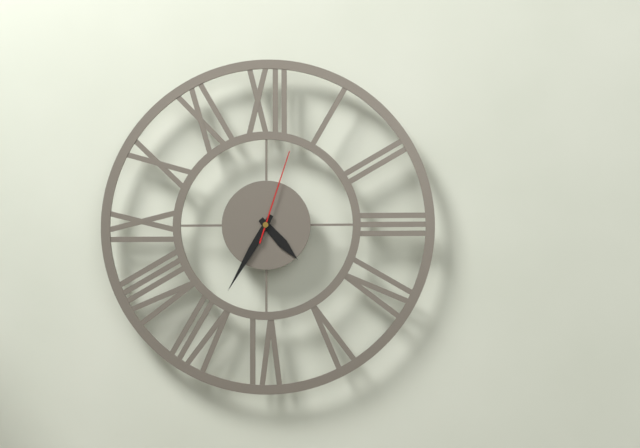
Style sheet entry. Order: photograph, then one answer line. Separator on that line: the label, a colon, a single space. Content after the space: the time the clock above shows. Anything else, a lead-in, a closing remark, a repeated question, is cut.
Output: 4:35:03
